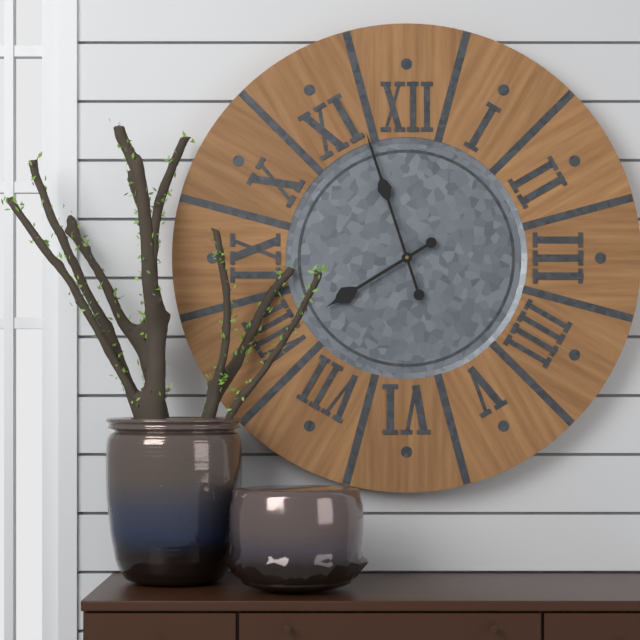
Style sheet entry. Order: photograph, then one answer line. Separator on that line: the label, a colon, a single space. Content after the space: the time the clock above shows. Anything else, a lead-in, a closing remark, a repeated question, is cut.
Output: 7:57
